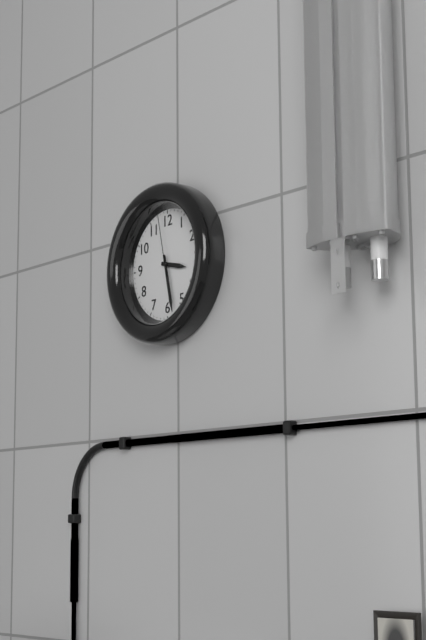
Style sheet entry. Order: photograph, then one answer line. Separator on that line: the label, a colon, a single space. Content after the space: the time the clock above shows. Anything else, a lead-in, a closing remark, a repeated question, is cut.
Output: 3:28:58
